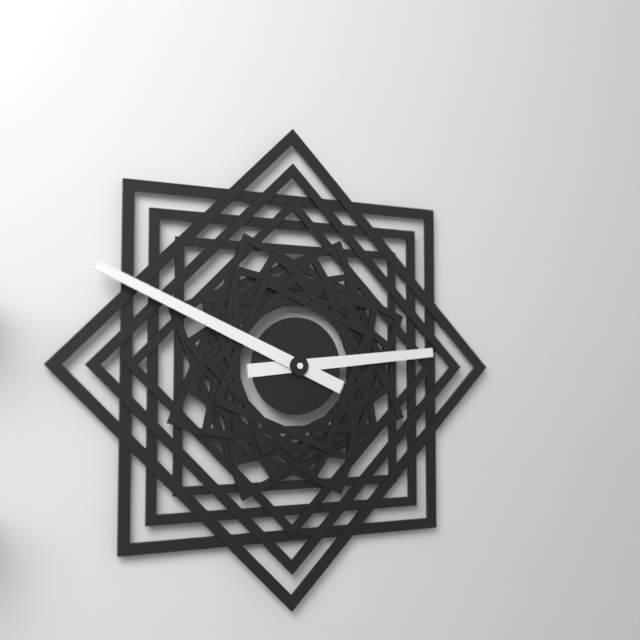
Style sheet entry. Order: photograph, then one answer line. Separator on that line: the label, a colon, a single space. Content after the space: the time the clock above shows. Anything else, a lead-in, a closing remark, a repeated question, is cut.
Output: 2:49
